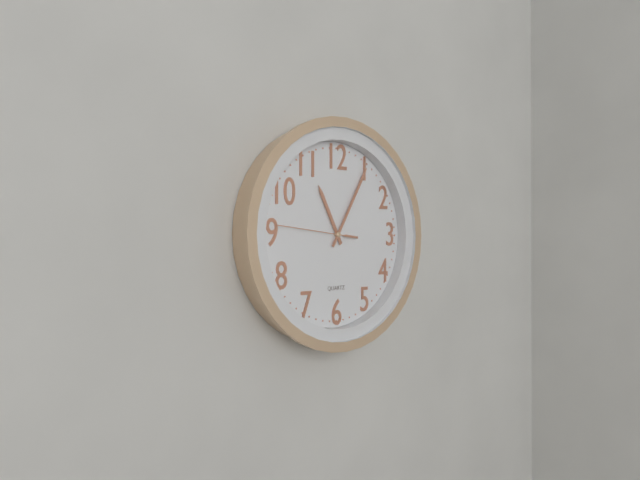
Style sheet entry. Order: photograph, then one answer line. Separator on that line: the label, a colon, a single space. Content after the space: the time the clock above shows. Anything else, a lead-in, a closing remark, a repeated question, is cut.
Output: 11:05:46
